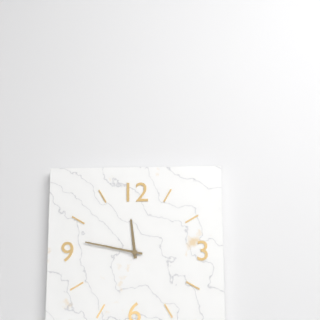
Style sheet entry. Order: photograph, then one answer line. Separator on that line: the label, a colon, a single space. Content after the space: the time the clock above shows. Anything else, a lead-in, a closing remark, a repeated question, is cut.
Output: 11:47
